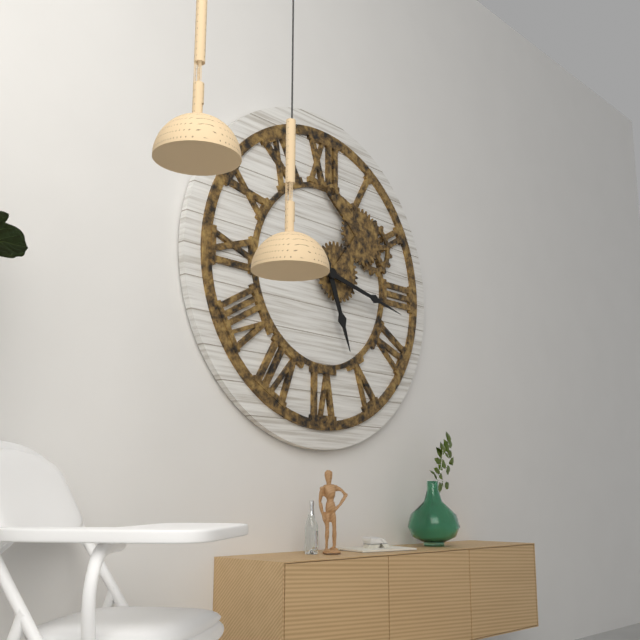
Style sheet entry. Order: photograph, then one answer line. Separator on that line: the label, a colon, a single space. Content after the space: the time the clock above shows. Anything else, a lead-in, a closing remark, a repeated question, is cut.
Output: 5:17
